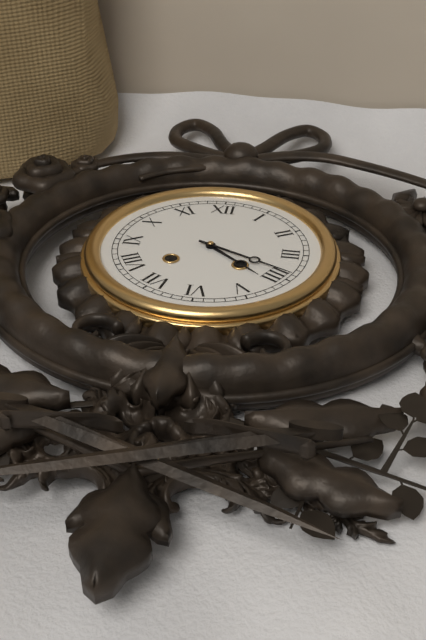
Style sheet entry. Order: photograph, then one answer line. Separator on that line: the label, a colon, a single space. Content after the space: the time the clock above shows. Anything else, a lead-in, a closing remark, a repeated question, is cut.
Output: 4:19
